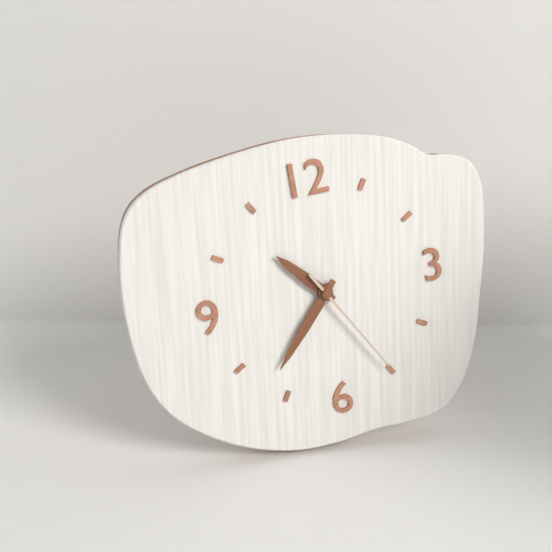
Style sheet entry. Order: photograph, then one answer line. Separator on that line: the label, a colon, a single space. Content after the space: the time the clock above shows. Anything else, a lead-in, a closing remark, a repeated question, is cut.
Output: 10:37:25
